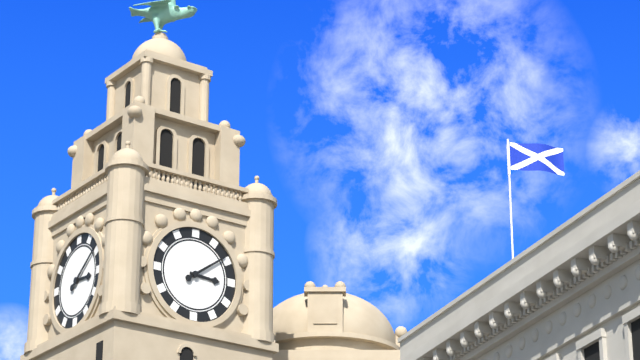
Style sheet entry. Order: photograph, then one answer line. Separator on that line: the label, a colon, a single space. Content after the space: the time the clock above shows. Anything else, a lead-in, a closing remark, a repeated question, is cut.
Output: 3:09
